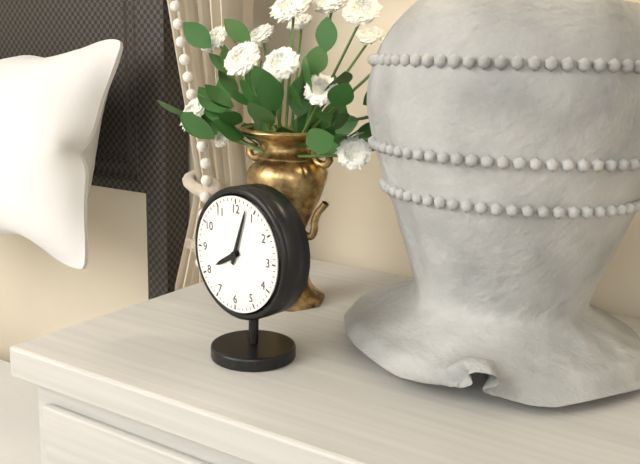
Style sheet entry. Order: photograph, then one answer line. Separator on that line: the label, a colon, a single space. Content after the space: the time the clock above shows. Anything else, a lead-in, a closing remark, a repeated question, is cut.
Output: 8:03
